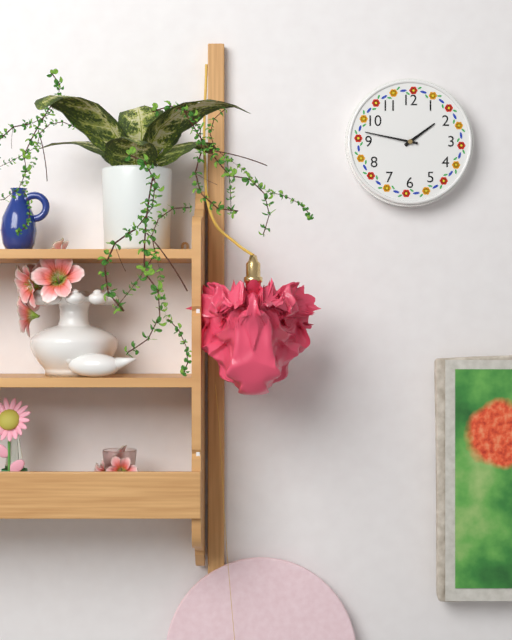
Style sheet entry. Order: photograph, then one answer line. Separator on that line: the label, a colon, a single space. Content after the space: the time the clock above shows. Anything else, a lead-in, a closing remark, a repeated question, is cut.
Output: 1:47
